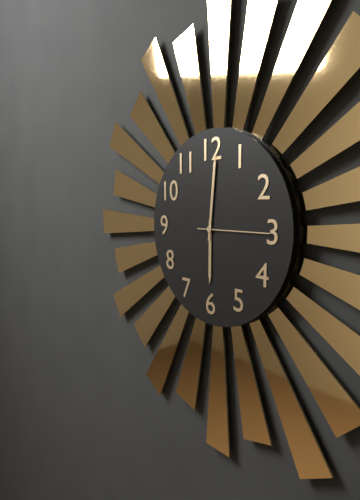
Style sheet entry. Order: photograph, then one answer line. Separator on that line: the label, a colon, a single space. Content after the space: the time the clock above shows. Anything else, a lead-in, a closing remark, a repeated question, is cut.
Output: 6:01:15
